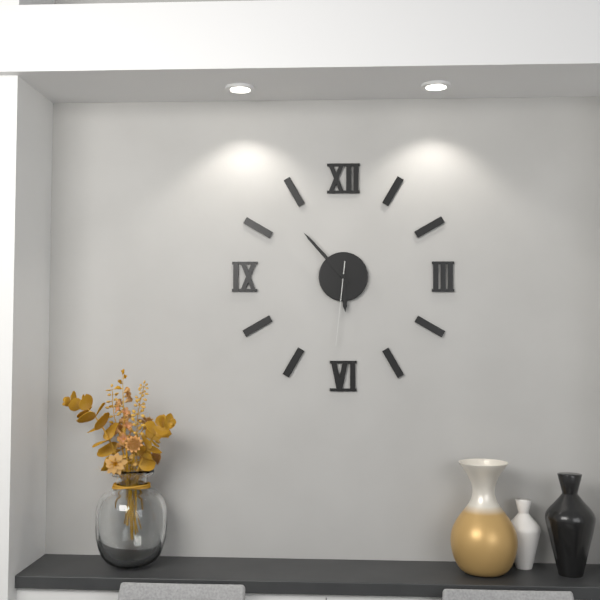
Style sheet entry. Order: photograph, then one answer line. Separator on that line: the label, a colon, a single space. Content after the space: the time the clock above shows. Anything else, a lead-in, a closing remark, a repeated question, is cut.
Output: 5:53:31
